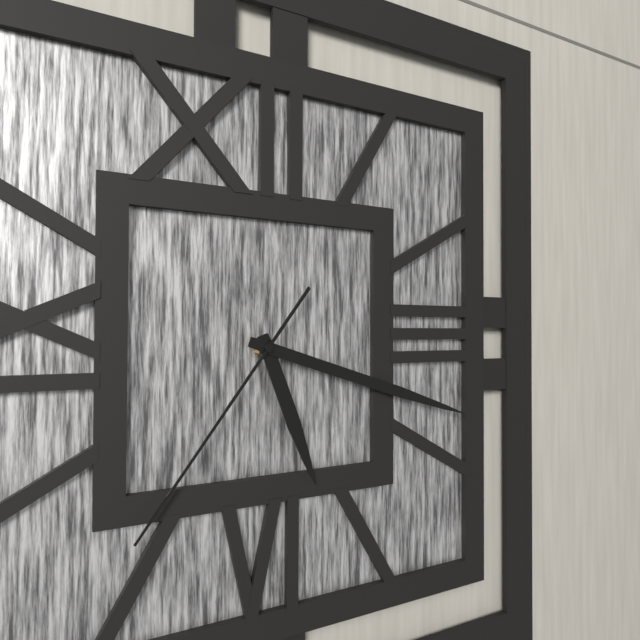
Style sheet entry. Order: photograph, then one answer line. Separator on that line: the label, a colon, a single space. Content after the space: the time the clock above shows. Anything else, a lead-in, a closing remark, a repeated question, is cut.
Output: 5:18:36
